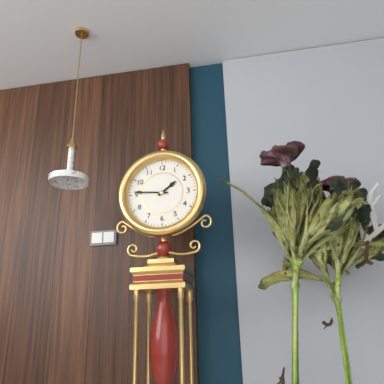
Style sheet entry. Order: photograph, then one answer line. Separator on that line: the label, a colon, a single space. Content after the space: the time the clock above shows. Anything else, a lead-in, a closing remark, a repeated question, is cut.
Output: 1:46
